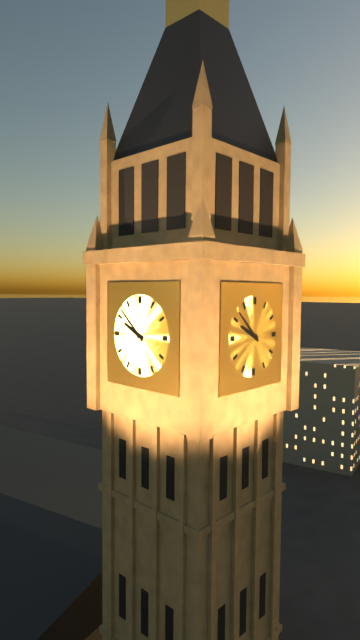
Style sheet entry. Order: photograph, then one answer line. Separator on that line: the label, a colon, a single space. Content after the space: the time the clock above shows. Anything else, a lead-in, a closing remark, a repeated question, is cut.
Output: 9:52
